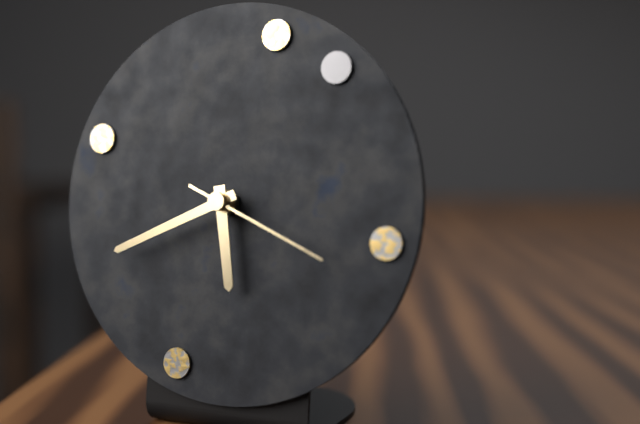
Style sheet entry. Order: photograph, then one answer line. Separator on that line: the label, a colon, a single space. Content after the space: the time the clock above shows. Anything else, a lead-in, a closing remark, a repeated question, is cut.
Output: 5:41:19
